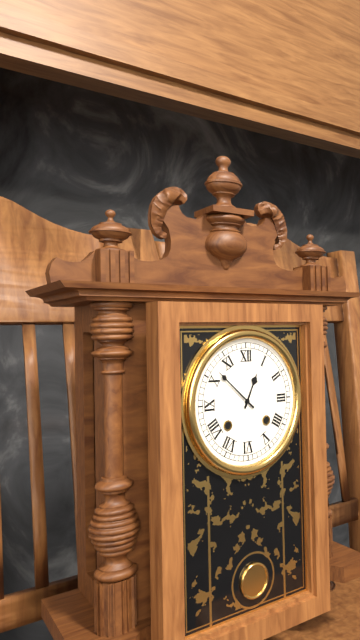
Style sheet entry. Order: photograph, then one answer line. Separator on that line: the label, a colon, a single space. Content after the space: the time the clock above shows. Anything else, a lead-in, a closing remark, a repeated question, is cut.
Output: 12:52
